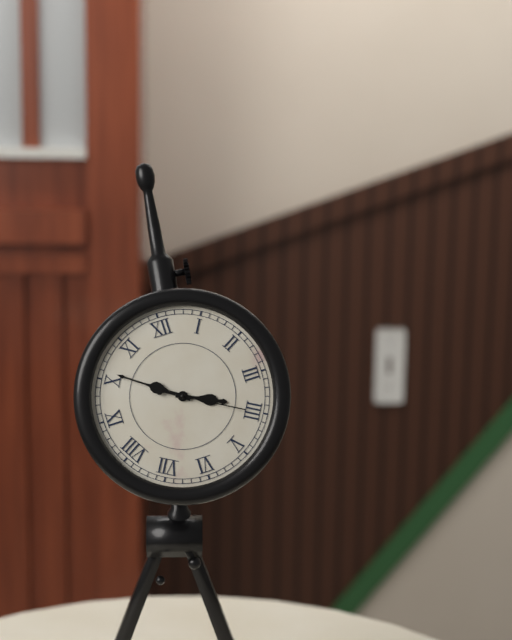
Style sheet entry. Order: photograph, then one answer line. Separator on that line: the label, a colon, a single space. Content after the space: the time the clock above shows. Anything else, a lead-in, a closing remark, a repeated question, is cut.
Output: 3:51:20
